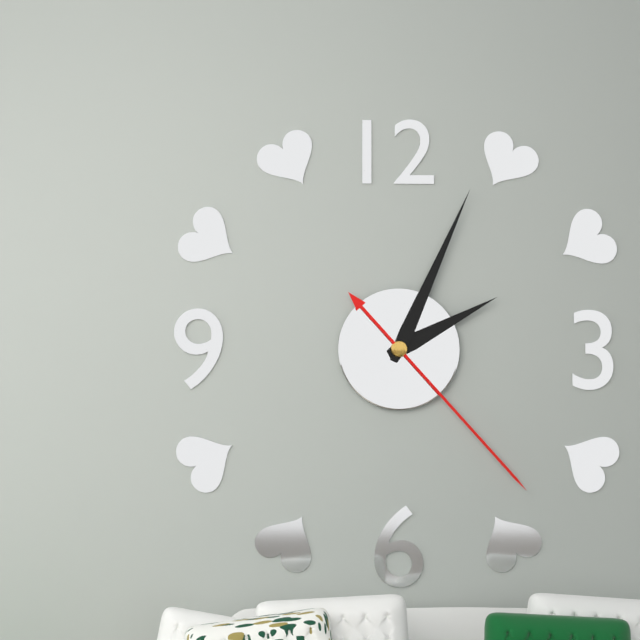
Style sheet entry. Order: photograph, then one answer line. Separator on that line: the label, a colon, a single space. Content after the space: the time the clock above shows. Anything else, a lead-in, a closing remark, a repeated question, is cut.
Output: 2:04:23
